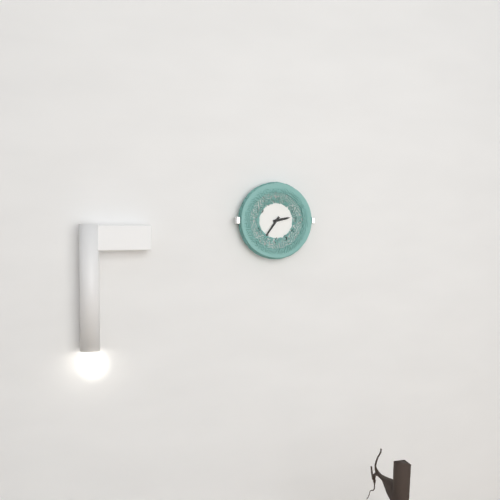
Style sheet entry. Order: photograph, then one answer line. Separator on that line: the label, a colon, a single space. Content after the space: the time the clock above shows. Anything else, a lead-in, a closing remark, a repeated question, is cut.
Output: 2:36
